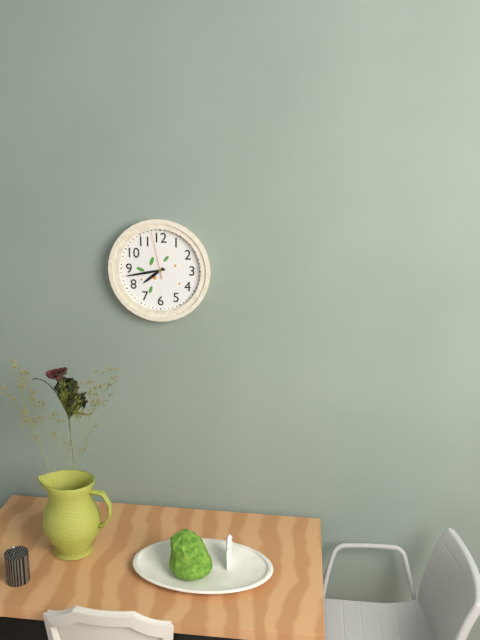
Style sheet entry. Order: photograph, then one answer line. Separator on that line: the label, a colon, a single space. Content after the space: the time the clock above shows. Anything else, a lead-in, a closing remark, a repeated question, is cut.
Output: 7:43
